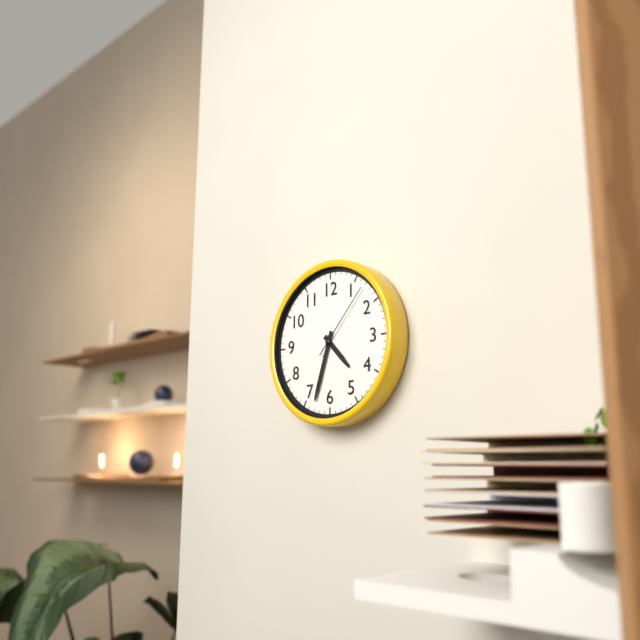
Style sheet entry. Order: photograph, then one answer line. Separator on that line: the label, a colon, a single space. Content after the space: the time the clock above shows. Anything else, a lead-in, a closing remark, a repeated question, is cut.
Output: 4:33:07
